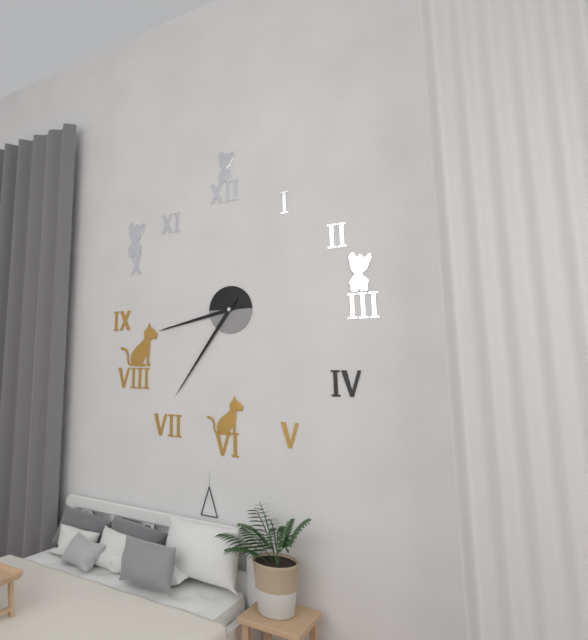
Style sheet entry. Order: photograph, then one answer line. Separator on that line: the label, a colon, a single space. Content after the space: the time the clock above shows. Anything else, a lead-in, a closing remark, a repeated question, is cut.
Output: 8:36
